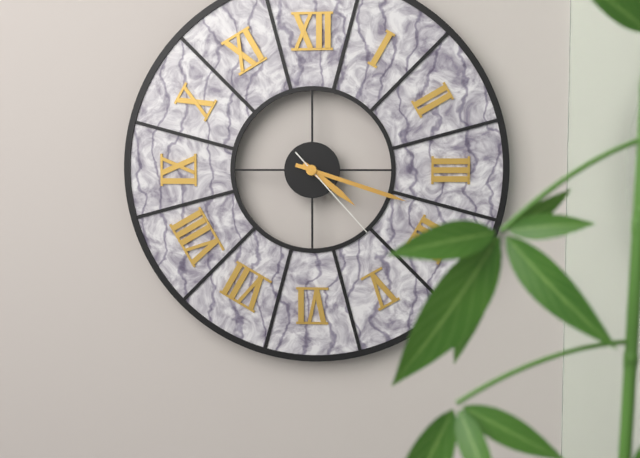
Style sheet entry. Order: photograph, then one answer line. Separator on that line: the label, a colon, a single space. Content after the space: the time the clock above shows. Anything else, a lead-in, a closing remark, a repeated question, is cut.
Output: 4:18:23
